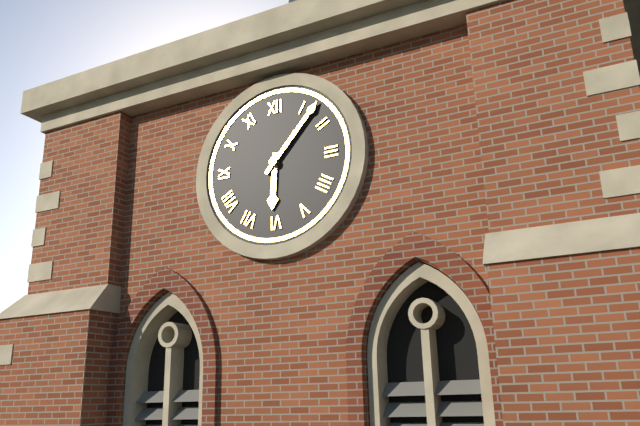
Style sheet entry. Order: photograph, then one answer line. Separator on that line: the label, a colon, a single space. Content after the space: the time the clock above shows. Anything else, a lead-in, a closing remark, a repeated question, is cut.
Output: 6:07
